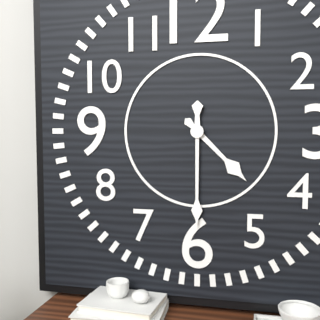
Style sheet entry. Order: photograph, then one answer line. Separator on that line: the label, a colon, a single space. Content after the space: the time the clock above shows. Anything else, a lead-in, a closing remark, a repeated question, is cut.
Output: 4:30
